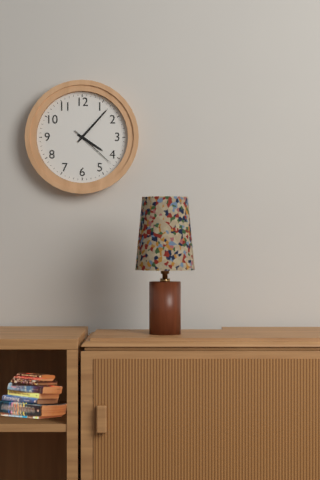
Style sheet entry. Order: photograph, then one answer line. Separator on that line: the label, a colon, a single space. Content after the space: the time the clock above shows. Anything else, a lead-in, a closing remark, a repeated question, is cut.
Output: 4:07
